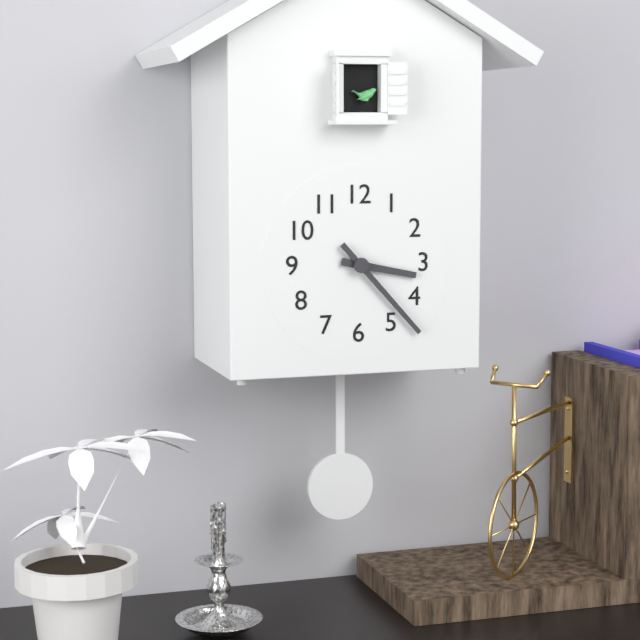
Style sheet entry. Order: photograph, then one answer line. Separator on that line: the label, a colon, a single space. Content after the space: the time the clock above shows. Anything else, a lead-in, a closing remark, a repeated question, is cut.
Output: 3:23
